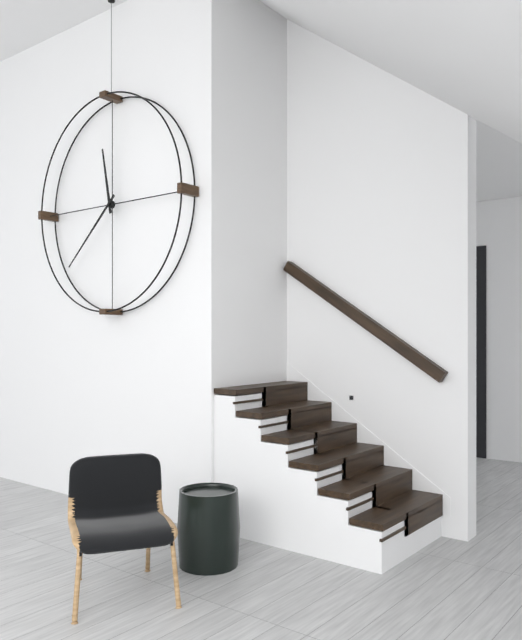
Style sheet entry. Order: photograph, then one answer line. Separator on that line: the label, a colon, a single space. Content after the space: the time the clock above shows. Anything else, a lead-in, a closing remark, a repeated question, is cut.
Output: 11:38
